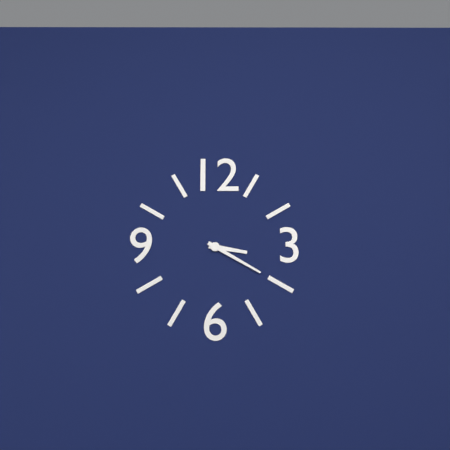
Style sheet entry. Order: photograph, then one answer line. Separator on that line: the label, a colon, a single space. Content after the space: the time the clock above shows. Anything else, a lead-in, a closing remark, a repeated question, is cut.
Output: 3:20
